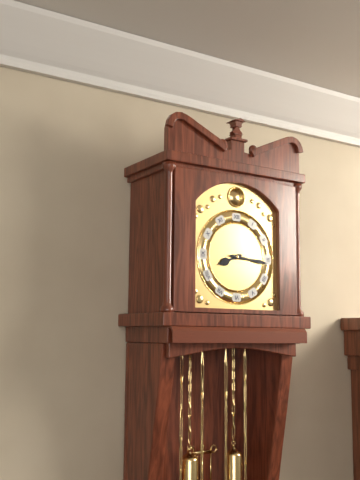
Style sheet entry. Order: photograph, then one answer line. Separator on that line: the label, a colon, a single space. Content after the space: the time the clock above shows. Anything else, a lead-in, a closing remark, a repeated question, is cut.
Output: 8:16
